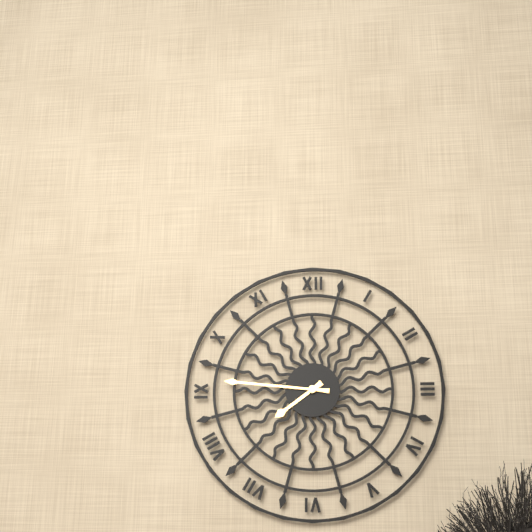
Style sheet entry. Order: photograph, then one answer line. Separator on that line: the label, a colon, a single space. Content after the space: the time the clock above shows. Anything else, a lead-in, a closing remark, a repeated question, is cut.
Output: 7:46
